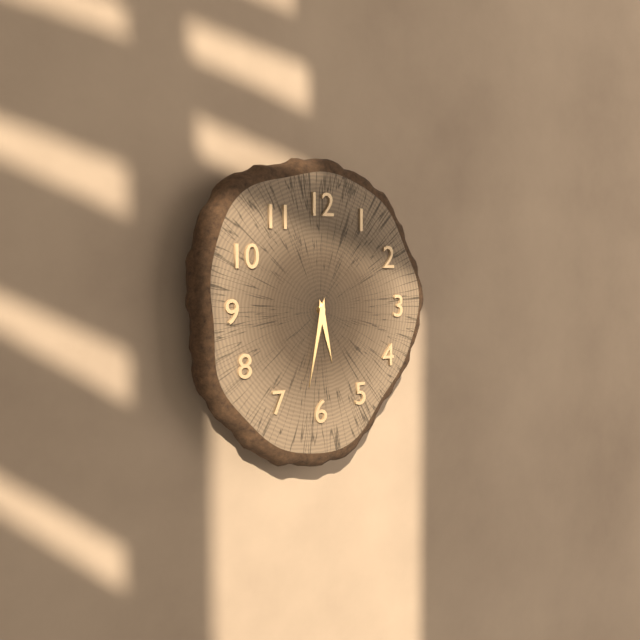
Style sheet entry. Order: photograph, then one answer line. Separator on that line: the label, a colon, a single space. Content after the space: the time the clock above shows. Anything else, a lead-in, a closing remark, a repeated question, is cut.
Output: 5:32
